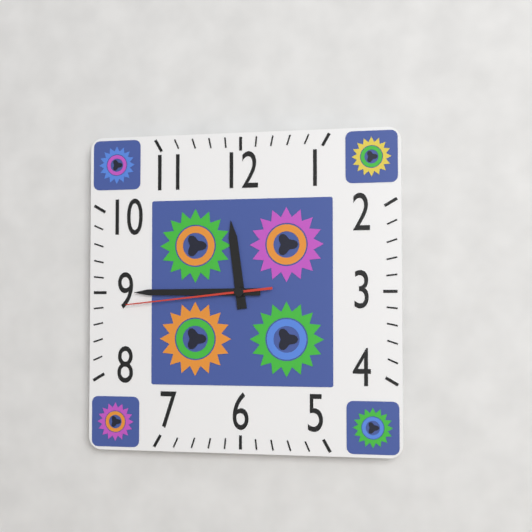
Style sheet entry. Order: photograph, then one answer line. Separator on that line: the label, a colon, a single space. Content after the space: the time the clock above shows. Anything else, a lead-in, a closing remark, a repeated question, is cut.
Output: 11:45:44
